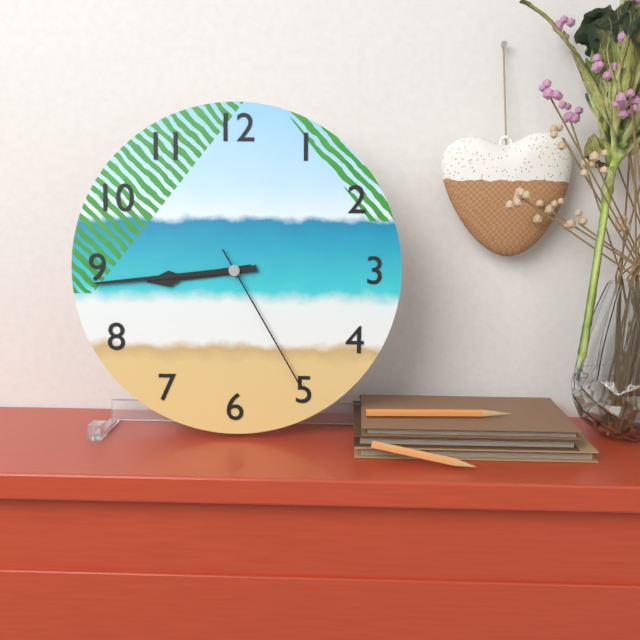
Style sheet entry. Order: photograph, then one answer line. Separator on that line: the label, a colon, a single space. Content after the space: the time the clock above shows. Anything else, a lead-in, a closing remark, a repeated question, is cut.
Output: 8:44:25
